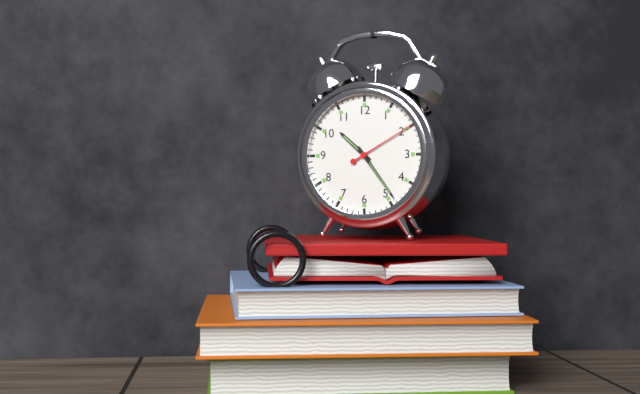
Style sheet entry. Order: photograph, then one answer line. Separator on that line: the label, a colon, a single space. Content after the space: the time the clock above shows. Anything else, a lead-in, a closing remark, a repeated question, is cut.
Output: 10:24:10
